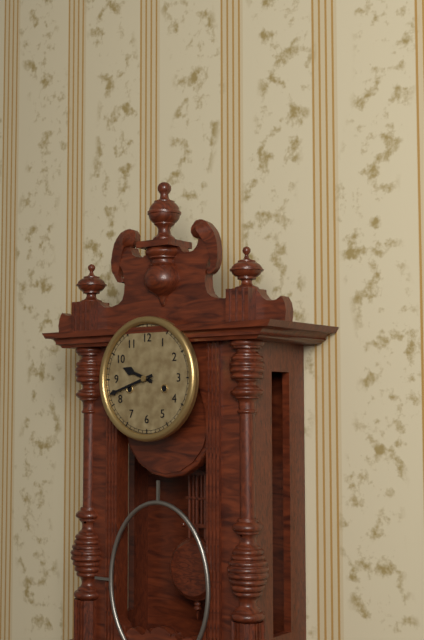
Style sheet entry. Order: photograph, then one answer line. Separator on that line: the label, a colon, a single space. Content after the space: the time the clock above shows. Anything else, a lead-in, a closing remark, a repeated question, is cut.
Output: 9:42
